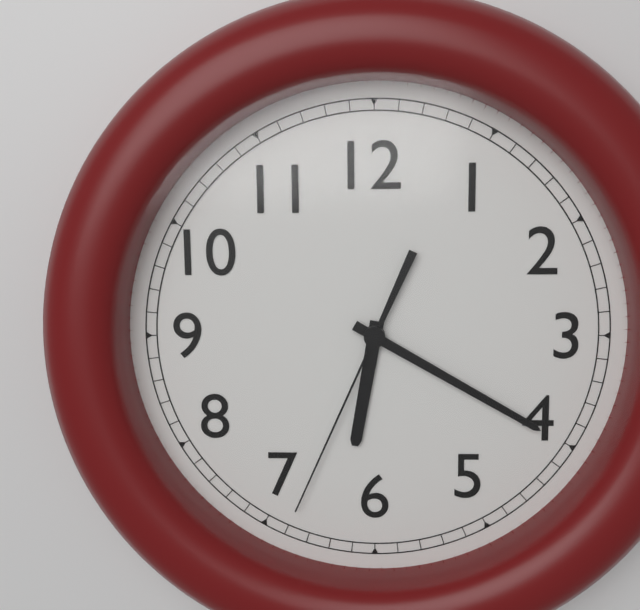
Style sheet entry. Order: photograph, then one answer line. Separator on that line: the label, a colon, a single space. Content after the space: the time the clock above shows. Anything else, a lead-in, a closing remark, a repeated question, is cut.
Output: 6:20:34
